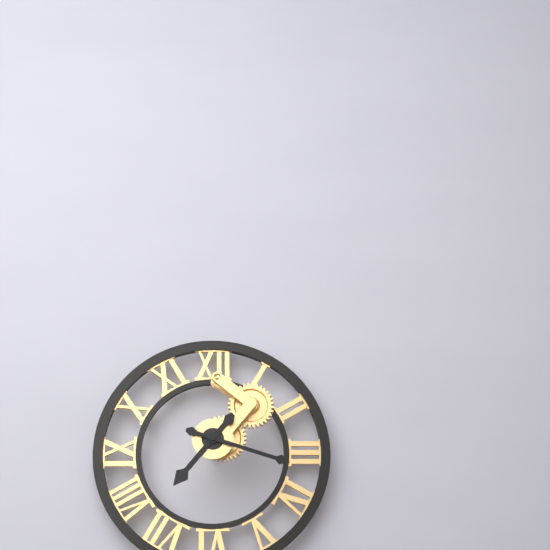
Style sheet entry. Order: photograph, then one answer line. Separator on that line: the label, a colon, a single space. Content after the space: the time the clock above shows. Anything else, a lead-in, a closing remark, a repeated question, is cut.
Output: 7:18
